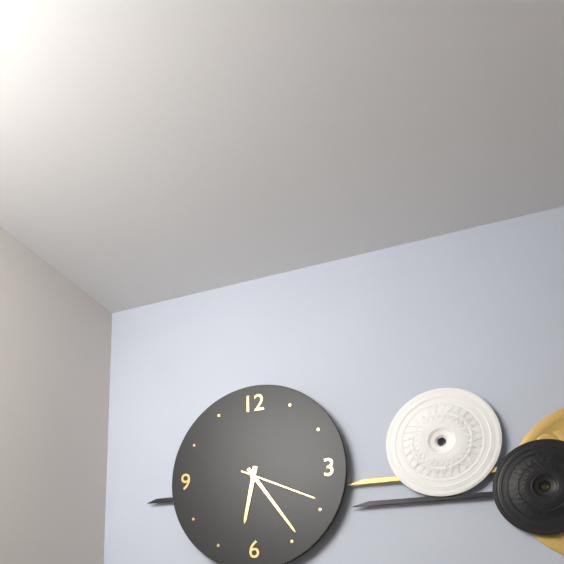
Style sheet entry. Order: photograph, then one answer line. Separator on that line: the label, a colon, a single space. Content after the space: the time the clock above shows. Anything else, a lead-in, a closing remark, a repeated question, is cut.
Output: 6:24:19
